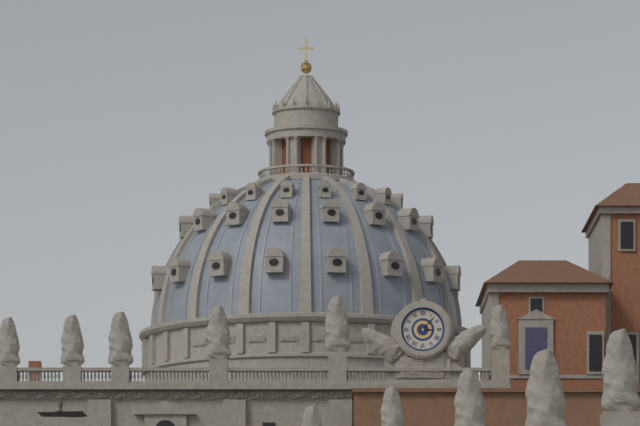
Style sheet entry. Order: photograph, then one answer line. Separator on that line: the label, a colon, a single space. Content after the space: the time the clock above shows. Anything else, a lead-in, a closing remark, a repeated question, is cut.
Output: 3:07
